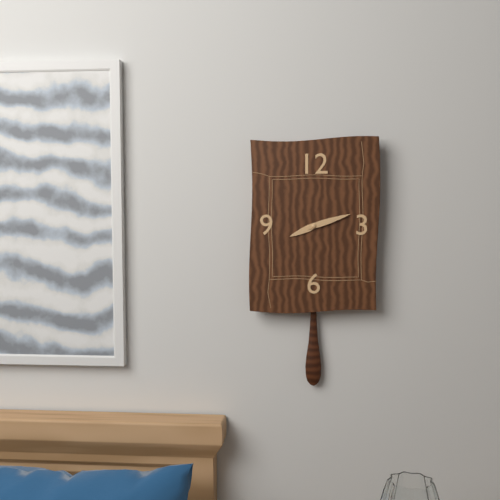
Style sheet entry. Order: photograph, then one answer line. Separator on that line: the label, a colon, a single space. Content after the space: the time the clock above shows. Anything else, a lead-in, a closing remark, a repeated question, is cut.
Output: 8:12
